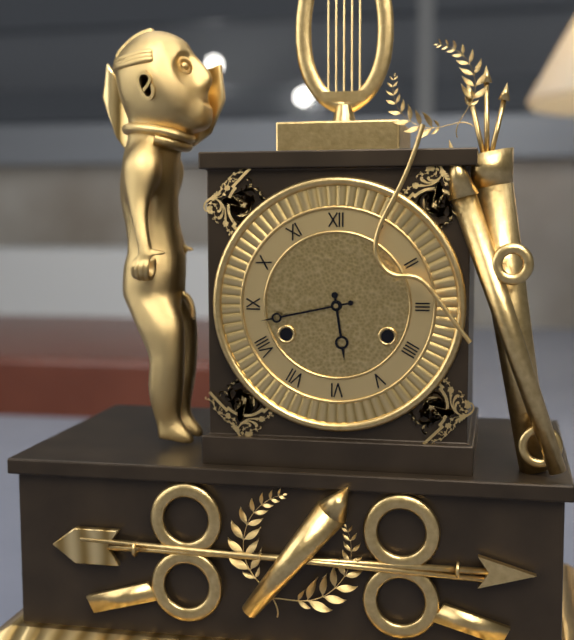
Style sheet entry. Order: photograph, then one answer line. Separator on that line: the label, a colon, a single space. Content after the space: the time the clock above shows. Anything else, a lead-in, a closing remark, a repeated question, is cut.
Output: 5:43
